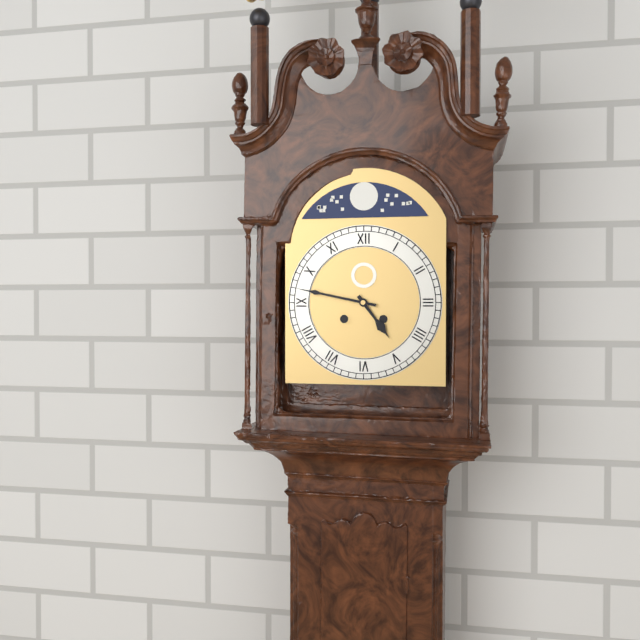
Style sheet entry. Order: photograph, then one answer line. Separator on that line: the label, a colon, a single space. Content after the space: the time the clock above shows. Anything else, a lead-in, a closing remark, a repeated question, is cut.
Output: 4:47
